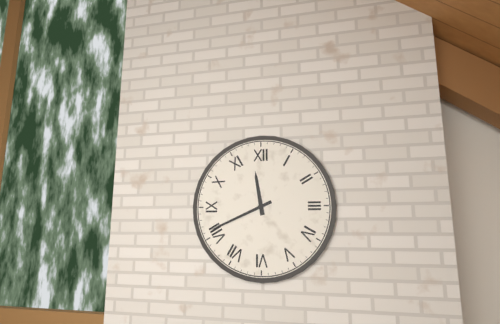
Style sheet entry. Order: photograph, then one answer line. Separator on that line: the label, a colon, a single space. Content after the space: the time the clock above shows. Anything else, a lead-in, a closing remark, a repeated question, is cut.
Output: 11:41
